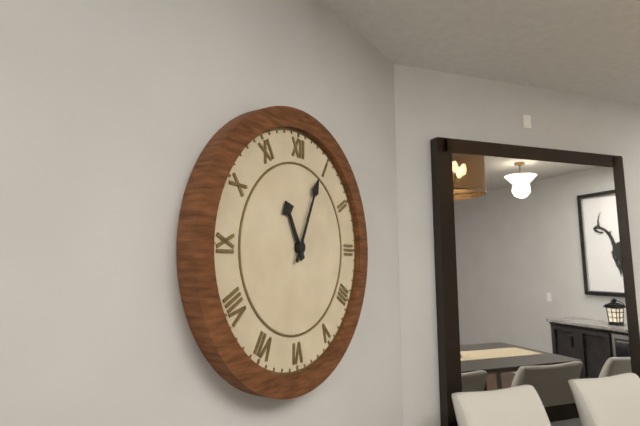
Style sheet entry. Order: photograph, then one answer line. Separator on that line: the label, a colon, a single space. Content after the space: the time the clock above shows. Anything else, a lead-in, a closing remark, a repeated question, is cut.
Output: 11:04
